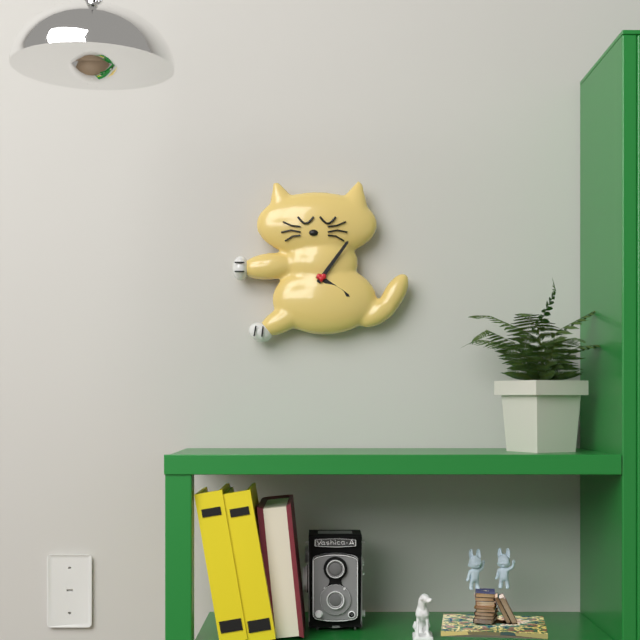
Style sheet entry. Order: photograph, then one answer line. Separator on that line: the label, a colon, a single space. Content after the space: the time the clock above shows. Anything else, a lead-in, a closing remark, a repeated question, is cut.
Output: 4:06
